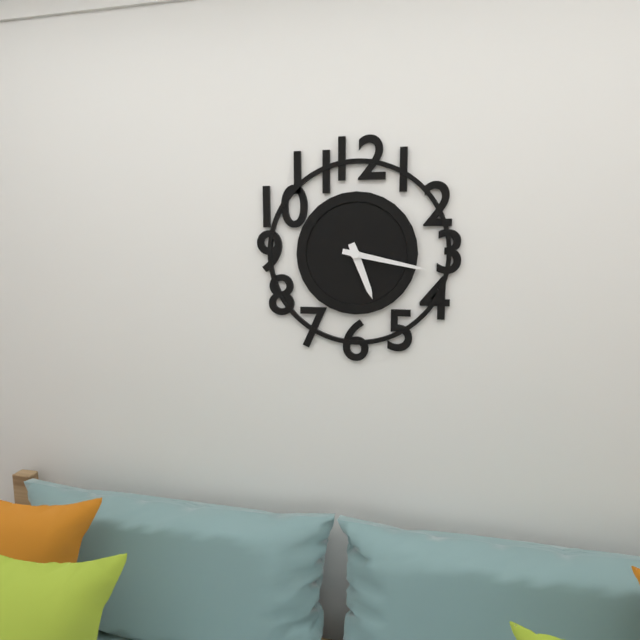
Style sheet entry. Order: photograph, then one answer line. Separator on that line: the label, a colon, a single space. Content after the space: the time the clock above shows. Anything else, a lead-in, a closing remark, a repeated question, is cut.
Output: 5:17
